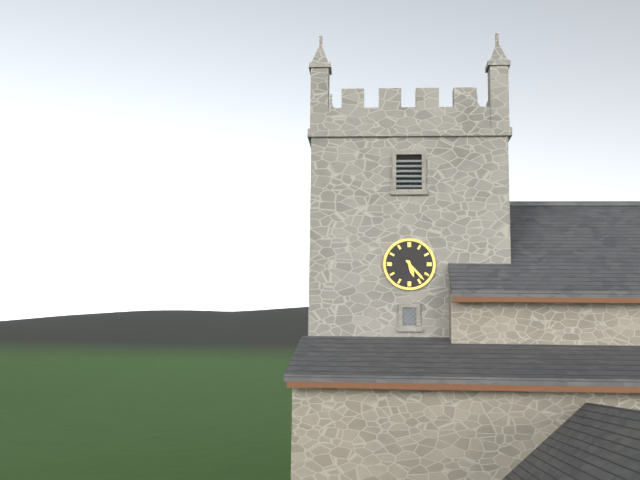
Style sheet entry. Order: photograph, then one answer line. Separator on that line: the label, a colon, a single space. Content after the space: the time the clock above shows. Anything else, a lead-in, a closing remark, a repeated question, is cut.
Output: 5:23
